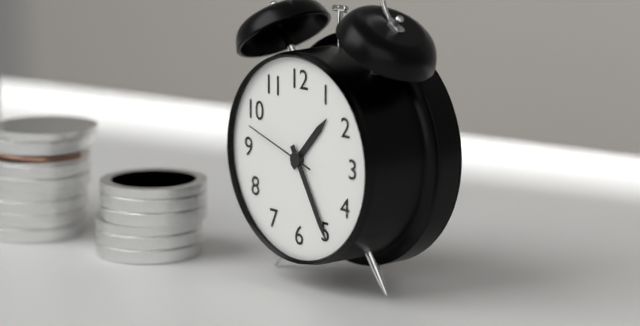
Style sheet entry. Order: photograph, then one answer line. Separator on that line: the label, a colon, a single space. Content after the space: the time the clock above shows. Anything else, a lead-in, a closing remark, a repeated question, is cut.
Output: 1:25:48
